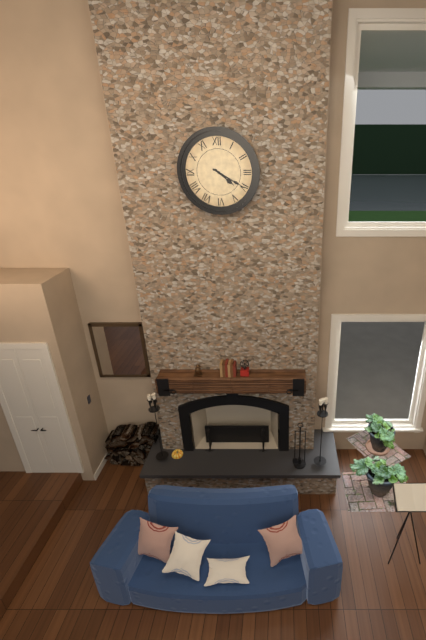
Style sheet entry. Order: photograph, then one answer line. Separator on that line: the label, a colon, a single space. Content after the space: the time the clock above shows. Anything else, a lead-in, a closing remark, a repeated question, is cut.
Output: 4:20
